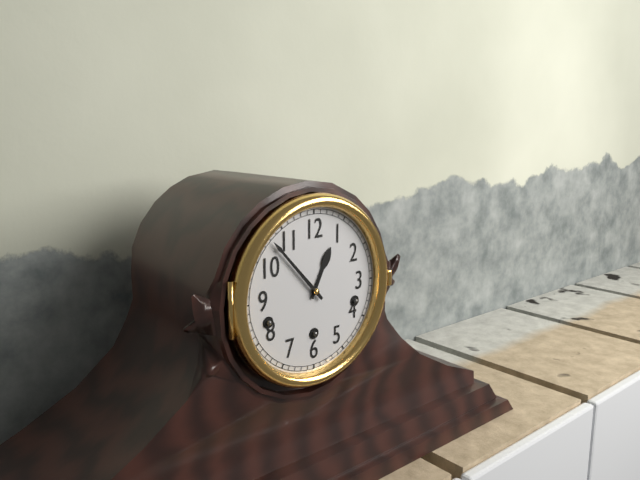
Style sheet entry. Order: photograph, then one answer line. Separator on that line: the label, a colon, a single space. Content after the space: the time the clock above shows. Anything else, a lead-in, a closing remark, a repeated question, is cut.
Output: 12:53
